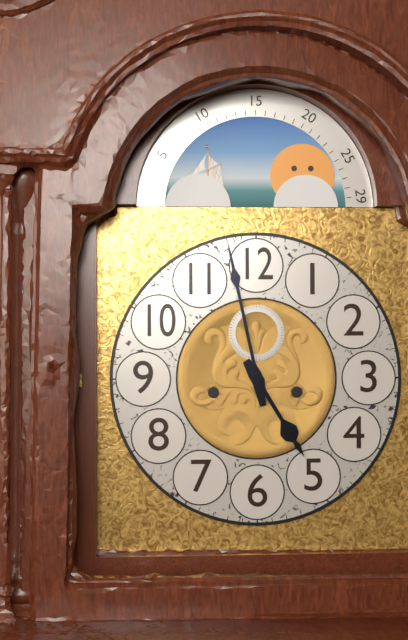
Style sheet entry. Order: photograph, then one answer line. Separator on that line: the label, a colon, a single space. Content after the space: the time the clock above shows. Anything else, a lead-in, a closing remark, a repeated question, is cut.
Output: 4:58
